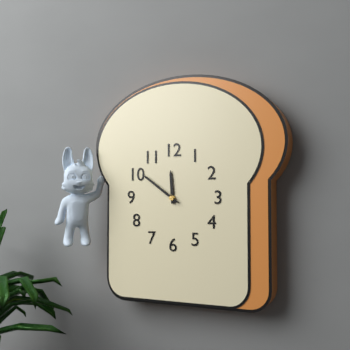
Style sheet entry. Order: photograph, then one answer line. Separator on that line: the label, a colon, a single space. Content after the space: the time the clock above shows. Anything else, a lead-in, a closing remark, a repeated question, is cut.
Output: 11:51
